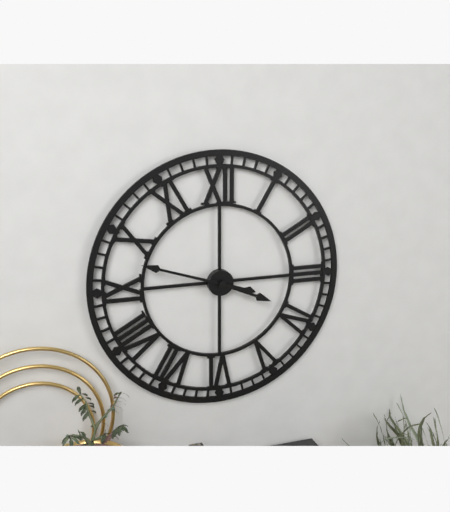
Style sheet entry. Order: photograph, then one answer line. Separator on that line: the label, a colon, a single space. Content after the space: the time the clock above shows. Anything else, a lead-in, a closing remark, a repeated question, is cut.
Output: 3:48
